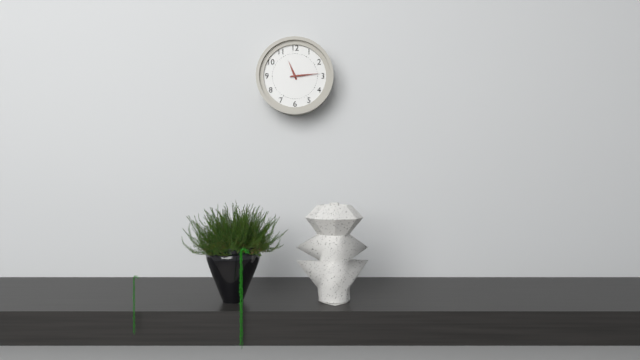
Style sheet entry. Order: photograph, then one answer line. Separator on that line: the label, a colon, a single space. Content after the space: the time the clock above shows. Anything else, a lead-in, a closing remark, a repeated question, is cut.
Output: 11:14
